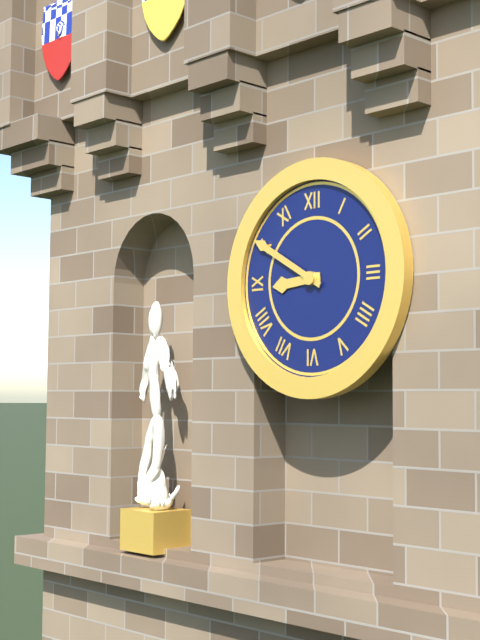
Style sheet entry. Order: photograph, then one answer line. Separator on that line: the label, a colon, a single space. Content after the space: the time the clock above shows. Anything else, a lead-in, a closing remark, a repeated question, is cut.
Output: 8:50
